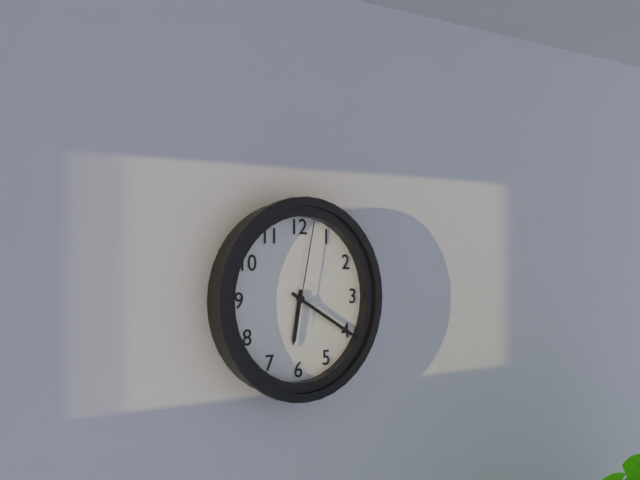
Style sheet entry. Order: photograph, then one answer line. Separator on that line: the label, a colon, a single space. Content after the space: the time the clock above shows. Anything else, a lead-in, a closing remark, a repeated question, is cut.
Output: 6:20:02
